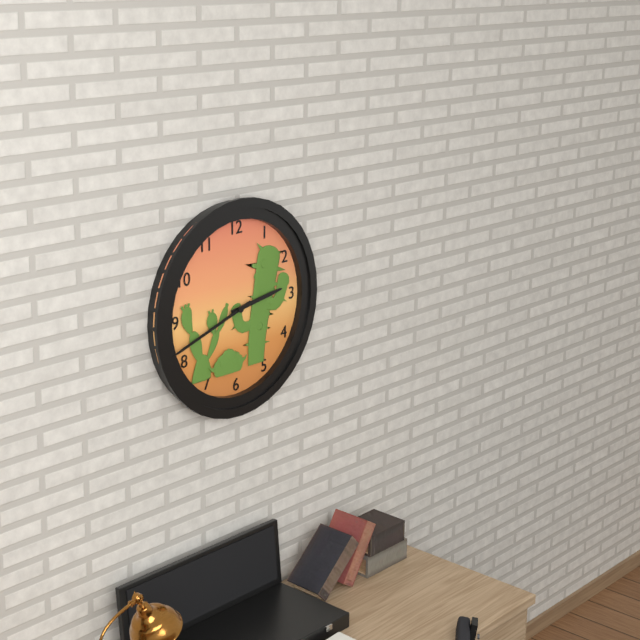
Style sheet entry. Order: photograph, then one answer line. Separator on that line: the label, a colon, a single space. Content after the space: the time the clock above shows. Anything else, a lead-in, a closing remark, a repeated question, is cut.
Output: 2:42
